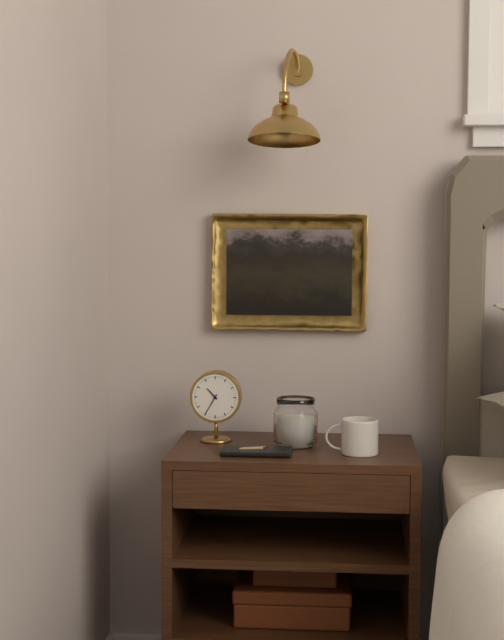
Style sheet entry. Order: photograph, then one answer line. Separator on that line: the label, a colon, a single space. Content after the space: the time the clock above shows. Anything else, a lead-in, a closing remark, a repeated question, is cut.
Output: 10:35
